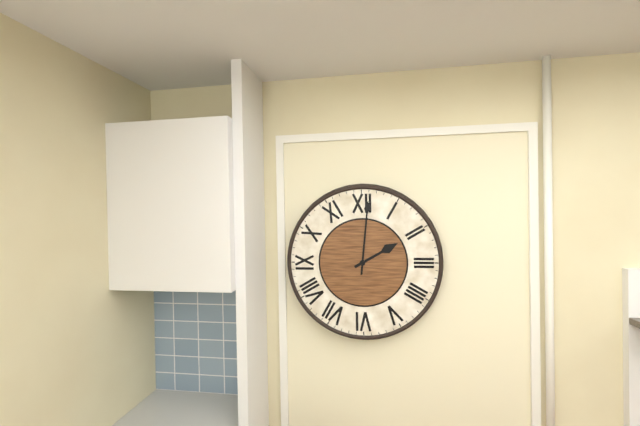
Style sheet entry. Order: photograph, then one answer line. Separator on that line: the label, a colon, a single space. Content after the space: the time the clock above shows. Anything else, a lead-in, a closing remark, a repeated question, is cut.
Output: 2:01
